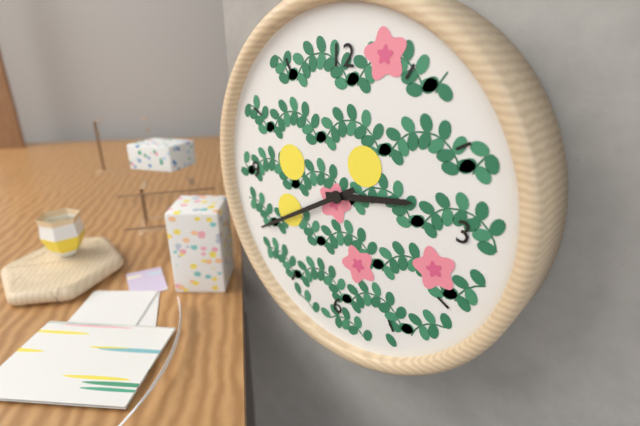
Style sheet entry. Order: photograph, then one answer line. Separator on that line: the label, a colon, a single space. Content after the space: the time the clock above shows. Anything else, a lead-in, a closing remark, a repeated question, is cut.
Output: 2:40
